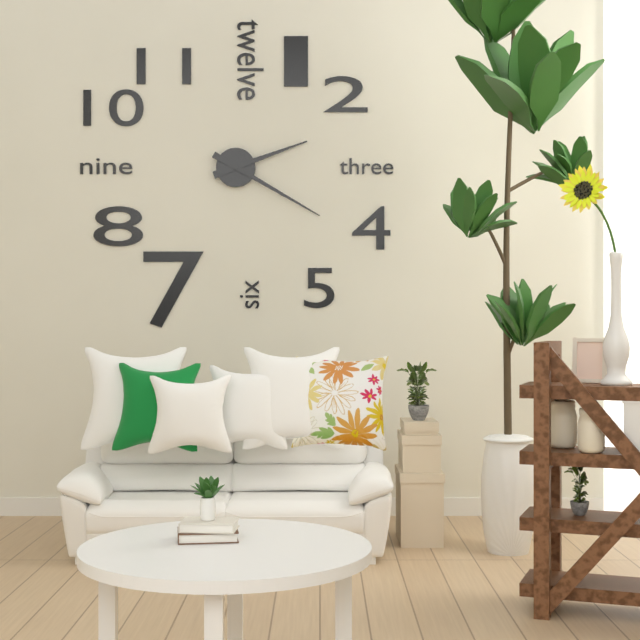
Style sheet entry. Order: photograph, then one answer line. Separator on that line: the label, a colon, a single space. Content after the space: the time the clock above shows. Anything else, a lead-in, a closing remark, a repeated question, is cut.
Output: 2:20
